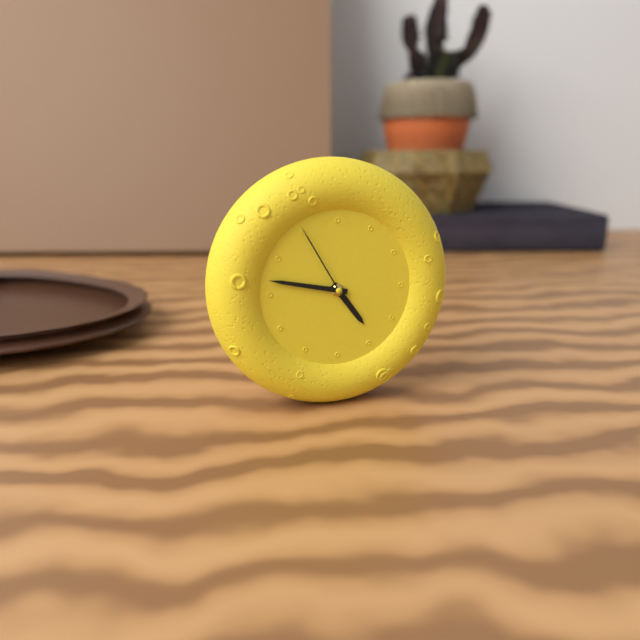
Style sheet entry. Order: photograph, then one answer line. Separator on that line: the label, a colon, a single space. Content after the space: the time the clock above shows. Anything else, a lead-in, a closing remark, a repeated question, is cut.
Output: 4:47:55
